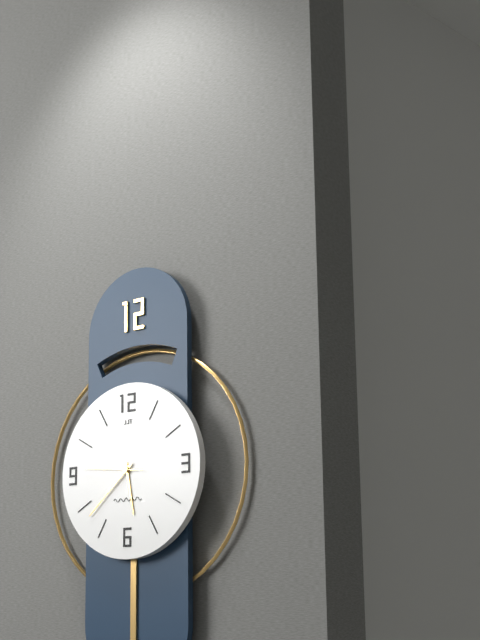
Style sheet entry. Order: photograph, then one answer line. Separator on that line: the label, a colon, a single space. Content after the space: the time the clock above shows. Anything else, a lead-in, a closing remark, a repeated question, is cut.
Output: 5:38:46
